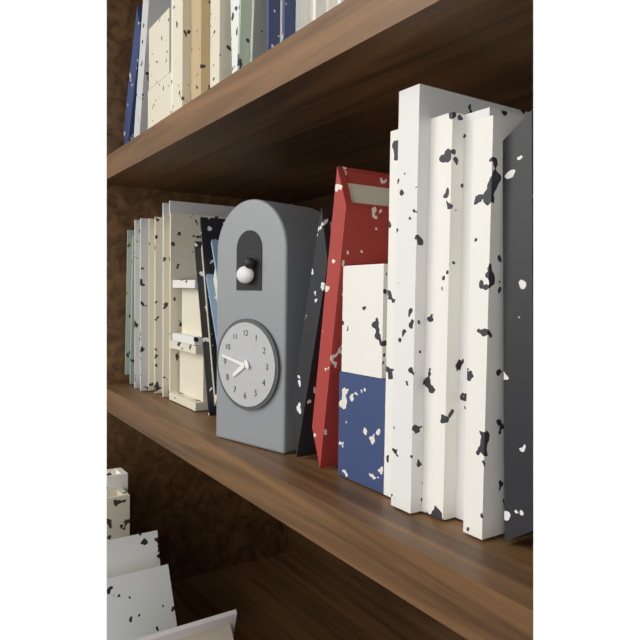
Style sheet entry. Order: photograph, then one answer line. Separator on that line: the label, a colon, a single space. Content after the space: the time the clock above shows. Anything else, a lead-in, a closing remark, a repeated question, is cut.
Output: 7:47
